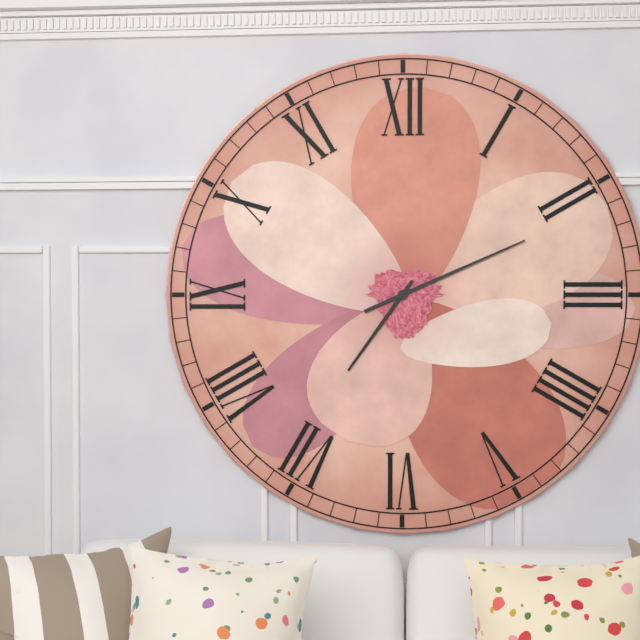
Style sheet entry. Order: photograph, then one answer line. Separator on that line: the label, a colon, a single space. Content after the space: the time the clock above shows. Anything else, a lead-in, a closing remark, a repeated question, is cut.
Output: 7:11
